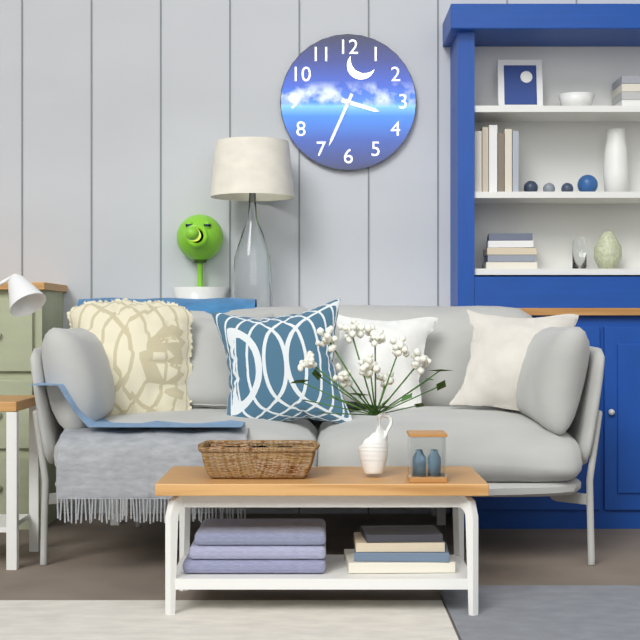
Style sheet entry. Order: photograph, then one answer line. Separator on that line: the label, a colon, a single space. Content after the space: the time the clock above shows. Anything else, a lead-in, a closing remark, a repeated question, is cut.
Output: 3:34
